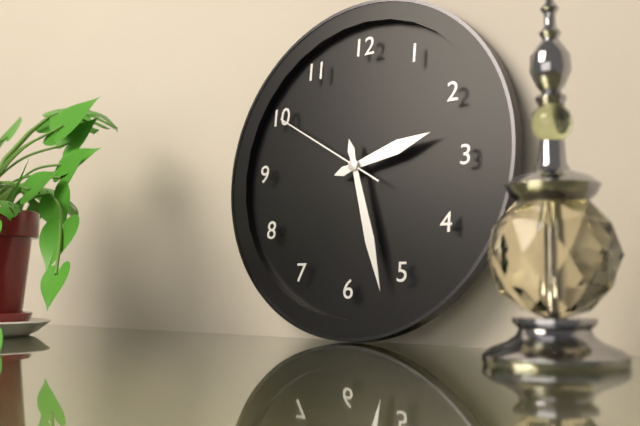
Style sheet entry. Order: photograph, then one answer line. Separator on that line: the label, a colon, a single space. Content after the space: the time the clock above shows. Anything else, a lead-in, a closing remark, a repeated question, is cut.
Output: 2:27:50
